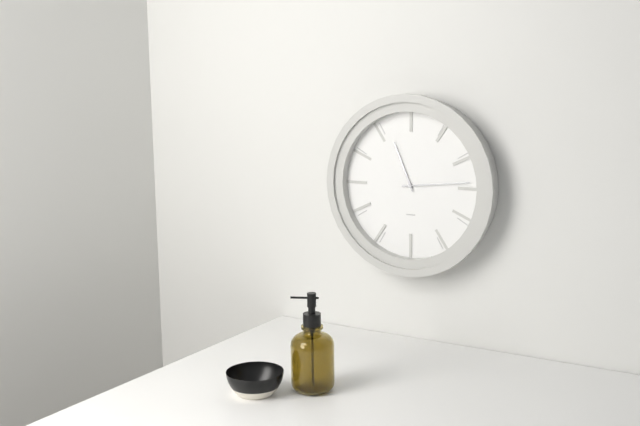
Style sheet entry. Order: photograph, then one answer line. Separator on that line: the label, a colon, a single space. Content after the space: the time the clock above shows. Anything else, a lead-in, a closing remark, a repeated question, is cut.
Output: 11:14
